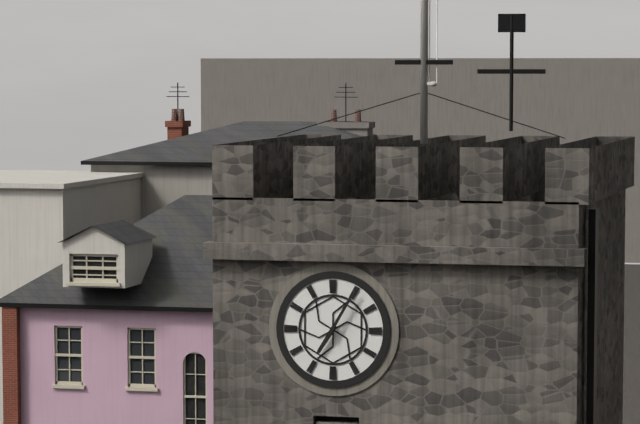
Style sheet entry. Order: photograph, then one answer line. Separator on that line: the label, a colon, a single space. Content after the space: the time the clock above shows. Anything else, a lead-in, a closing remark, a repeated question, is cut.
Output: 7:05
